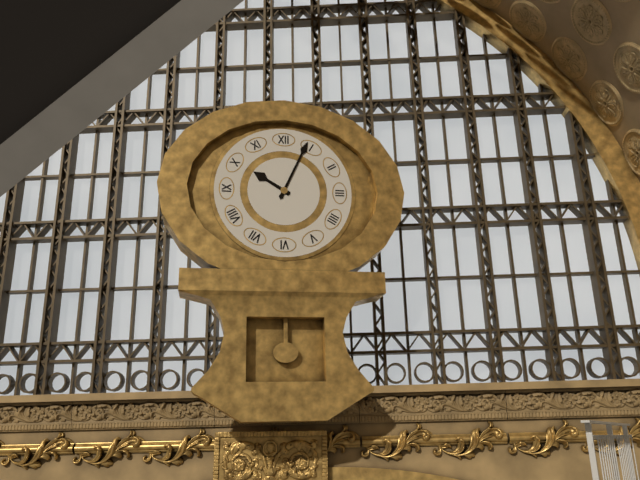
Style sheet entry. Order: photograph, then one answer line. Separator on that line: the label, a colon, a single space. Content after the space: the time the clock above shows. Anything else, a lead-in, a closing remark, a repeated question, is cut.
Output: 10:04
